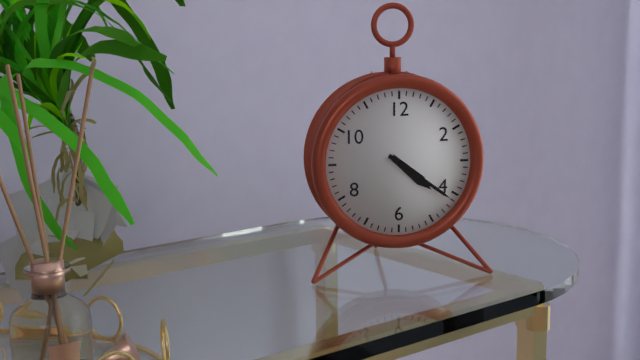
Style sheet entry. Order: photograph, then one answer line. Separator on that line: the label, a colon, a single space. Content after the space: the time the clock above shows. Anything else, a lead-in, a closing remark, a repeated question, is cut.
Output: 4:21
